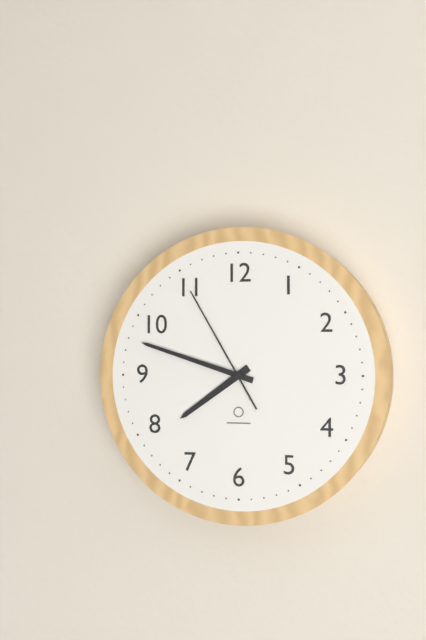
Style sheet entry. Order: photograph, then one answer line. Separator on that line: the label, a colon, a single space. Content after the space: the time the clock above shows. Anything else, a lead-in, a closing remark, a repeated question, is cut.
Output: 7:48:55
